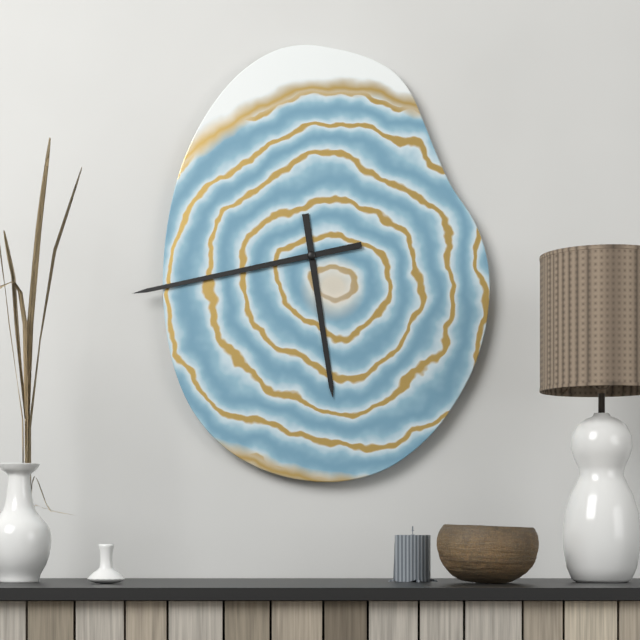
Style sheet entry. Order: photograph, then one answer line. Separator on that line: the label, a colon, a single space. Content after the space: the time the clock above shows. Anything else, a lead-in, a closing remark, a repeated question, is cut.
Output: 5:43
